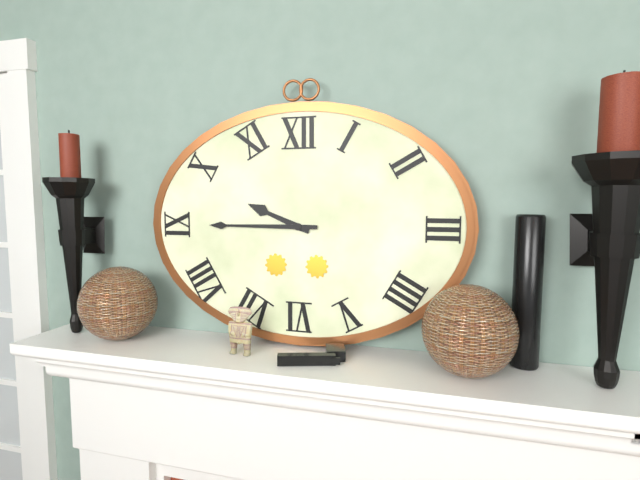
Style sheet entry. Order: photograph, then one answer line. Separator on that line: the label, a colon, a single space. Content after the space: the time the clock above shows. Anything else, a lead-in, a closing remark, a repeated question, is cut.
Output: 9:45
